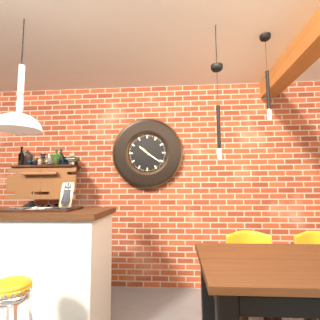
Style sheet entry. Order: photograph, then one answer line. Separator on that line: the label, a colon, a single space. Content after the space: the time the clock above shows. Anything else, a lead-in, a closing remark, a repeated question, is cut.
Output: 10:21
